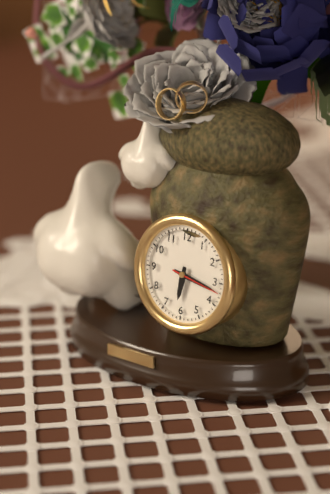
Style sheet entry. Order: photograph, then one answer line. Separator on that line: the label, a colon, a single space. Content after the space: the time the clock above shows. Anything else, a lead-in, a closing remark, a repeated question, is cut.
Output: 6:17
